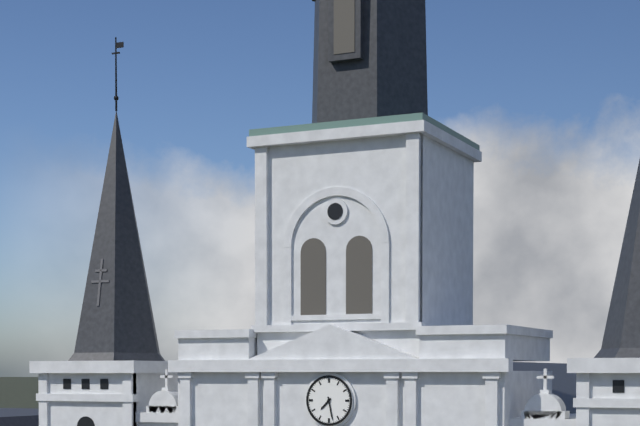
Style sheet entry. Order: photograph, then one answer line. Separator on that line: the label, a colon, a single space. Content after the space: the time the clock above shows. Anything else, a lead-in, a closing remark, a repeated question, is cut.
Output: 7:28
